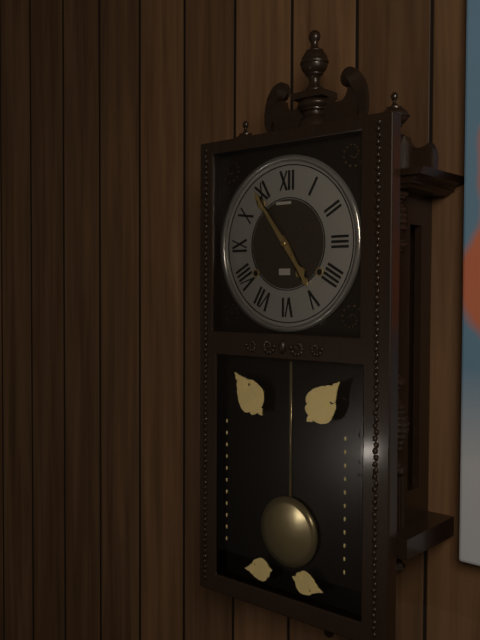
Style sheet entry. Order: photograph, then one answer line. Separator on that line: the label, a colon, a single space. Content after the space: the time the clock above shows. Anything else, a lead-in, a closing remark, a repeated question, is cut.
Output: 4:54
